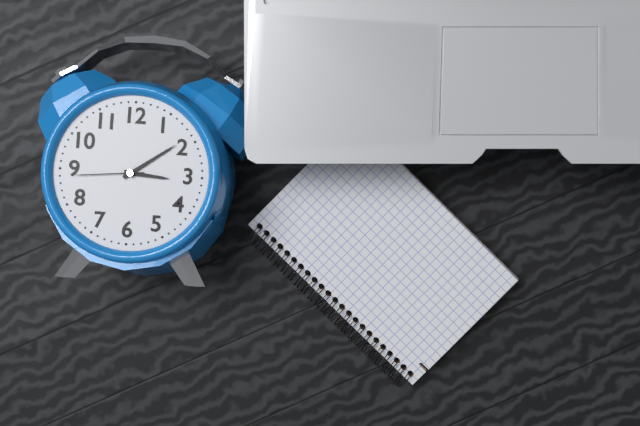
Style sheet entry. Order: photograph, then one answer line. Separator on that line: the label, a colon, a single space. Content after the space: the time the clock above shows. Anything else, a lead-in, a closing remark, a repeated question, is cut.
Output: 3:09:44
